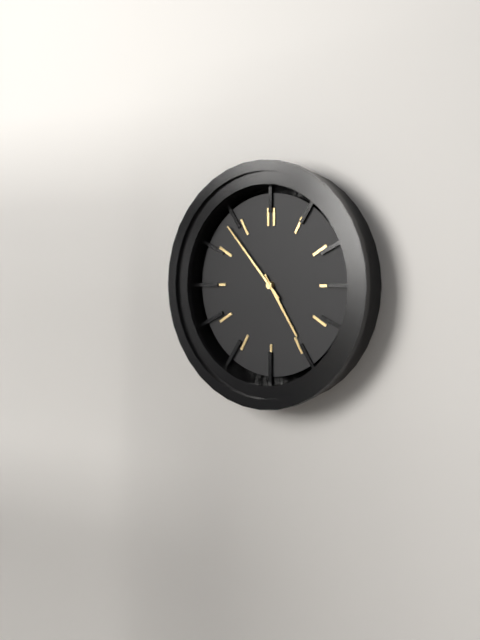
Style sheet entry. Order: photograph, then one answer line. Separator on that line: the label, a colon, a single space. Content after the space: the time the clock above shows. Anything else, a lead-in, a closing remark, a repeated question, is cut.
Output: 4:53
